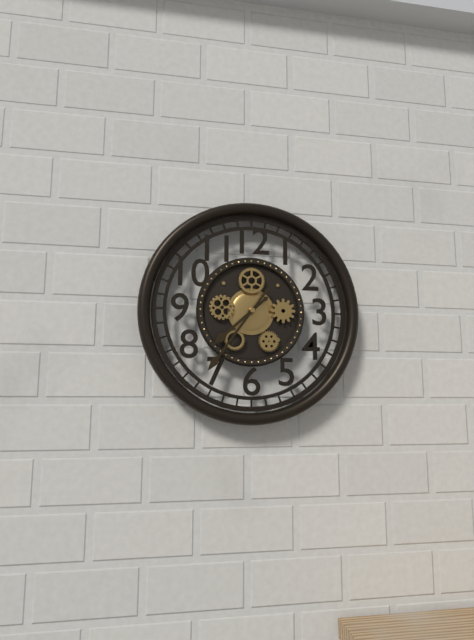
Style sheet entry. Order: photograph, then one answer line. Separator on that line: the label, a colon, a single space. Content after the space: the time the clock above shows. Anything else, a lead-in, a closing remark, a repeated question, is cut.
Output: 7:36
